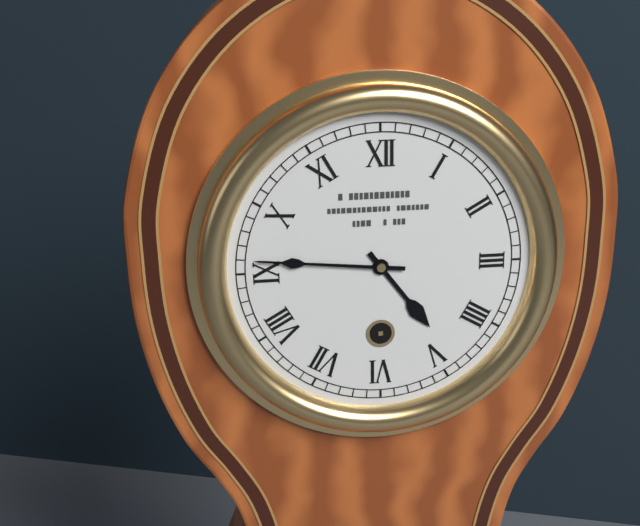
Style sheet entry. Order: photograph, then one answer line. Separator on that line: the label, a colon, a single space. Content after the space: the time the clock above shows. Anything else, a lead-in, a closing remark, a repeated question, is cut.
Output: 4:46
